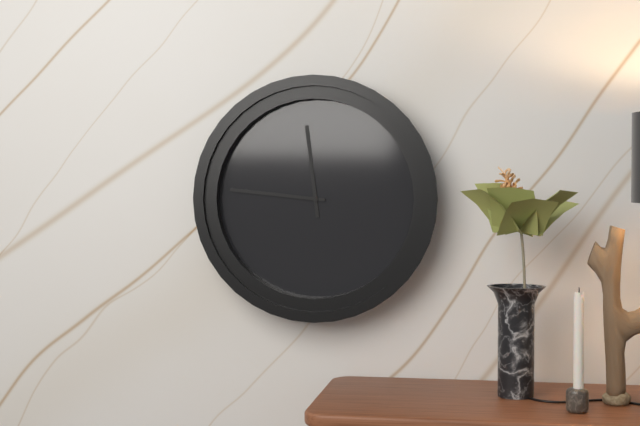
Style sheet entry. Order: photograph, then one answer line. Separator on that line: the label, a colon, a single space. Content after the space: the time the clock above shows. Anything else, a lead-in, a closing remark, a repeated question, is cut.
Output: 11:46
